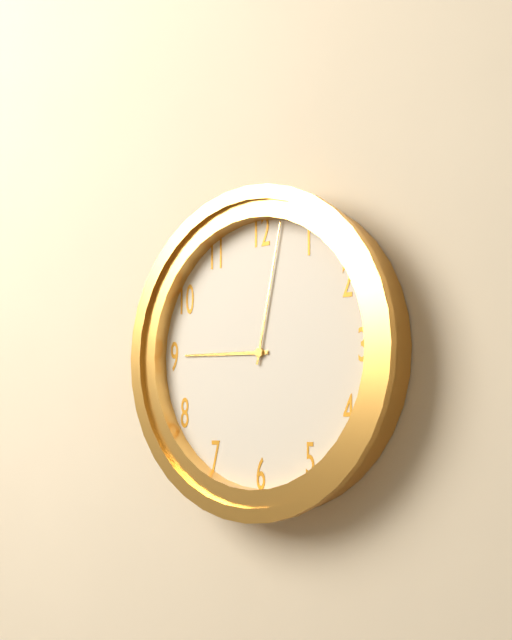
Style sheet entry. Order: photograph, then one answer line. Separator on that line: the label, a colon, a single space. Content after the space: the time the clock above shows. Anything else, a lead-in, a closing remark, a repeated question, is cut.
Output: 9:02
